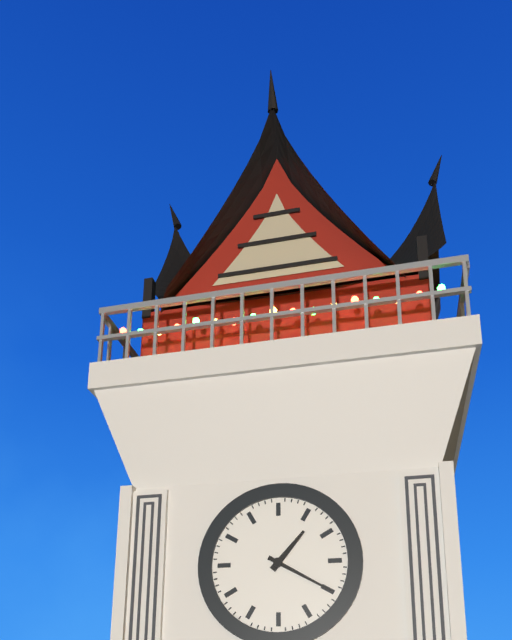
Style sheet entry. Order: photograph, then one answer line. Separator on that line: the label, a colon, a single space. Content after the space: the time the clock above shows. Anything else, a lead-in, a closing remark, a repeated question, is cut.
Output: 1:20
